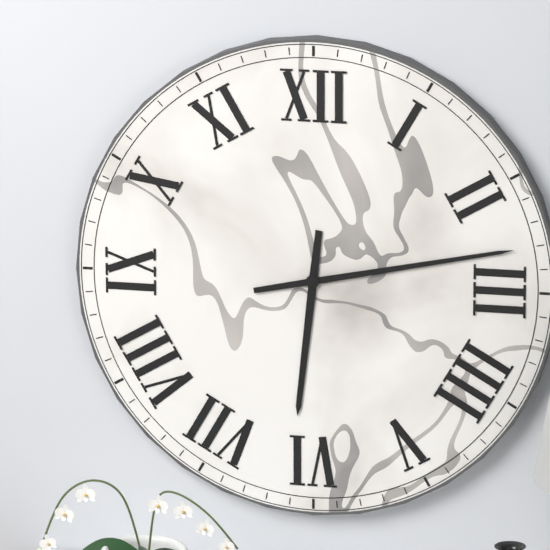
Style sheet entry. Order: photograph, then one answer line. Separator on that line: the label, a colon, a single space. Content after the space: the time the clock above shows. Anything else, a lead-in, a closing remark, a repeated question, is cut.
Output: 6:13
